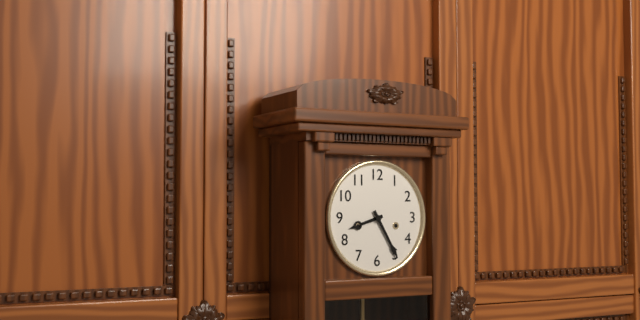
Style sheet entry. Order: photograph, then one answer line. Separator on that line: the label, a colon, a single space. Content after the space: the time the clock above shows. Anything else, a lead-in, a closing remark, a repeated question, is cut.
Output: 8:25
